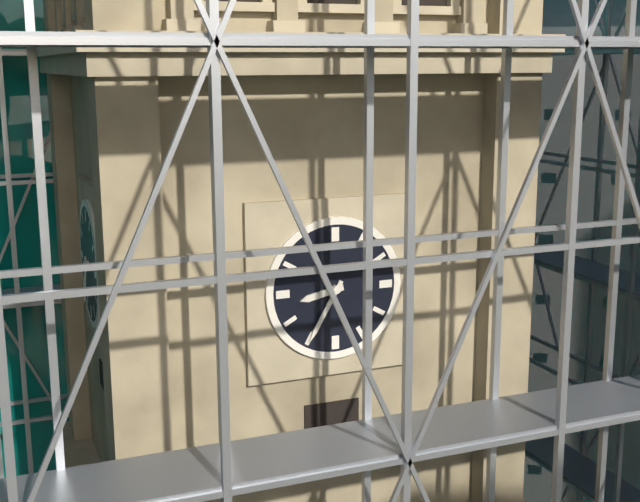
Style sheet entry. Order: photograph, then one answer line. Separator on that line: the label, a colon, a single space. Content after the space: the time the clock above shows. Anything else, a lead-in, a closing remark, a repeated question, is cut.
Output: 8:35
